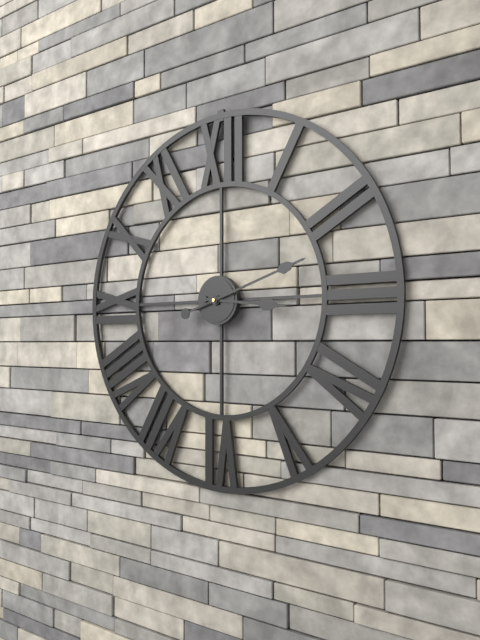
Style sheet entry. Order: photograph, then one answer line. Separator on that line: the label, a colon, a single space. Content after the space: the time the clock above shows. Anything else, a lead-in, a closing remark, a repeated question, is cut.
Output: 3:12
